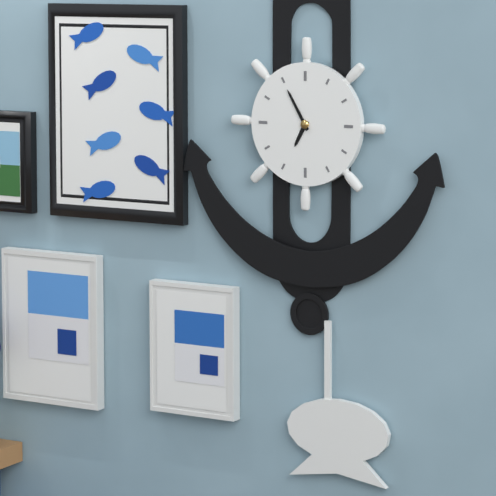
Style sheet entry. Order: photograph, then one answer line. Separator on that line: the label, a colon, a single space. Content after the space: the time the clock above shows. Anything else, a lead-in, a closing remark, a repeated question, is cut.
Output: 6:55
